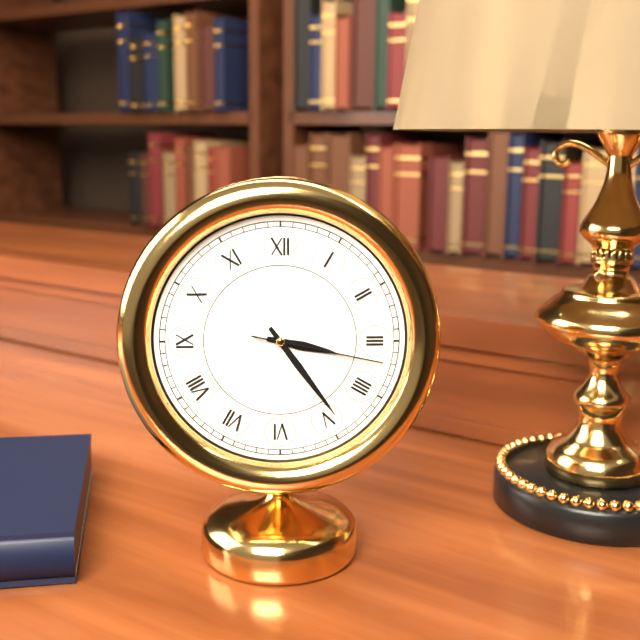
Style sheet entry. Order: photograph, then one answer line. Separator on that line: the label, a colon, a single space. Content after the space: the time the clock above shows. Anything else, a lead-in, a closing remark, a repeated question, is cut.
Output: 3:24:17
